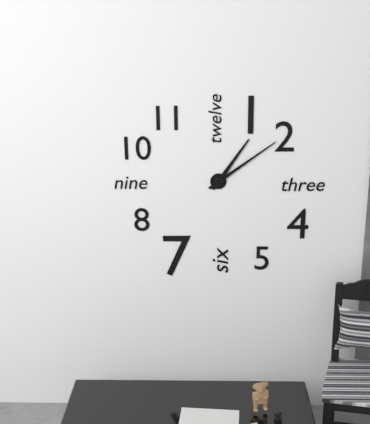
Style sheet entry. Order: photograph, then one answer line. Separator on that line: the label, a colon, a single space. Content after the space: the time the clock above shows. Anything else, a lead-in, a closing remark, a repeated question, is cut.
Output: 1:09
